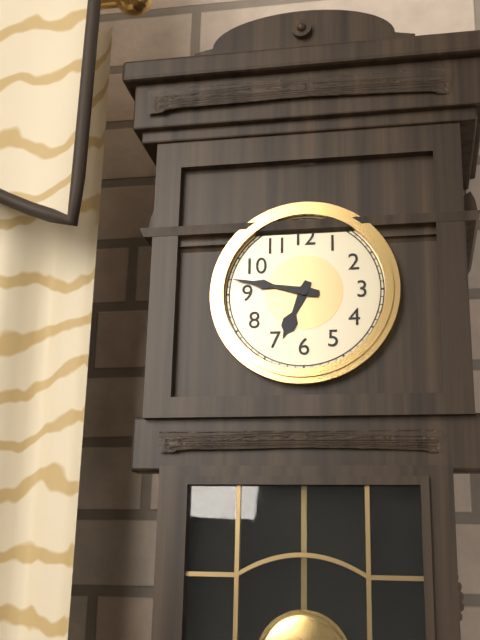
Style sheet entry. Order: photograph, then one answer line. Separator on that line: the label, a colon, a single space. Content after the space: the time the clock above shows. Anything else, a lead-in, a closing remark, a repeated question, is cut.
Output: 6:47
